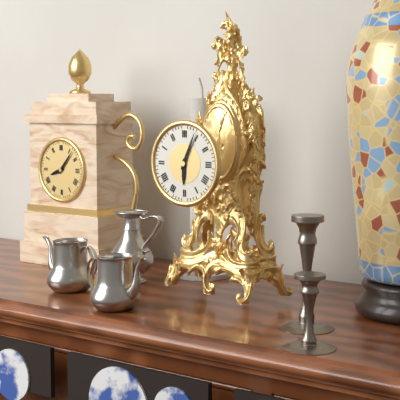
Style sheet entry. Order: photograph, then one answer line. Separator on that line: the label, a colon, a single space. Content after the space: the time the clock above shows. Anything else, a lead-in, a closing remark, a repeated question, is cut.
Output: 6:04
